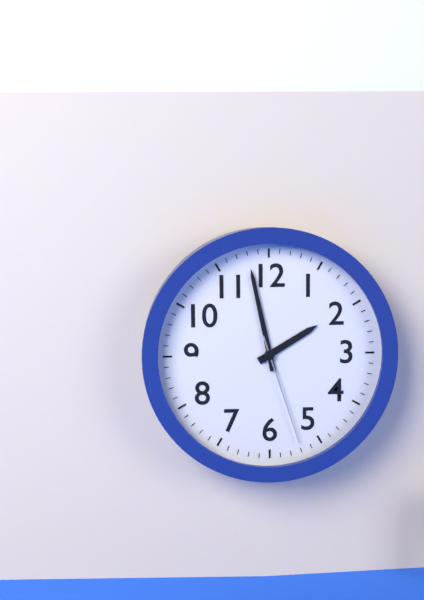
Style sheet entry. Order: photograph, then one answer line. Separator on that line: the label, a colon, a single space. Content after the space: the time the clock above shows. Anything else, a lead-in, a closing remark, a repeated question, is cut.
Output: 1:58:27
